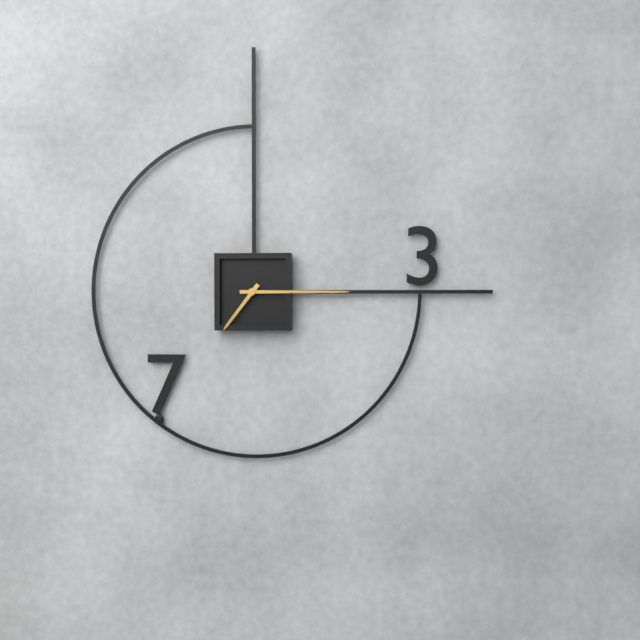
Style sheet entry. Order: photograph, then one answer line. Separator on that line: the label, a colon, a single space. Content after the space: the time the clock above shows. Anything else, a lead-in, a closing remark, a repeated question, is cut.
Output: 7:15
